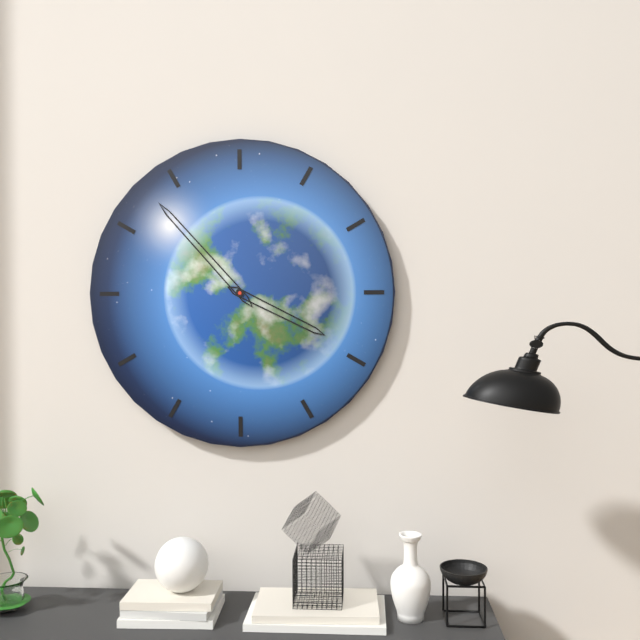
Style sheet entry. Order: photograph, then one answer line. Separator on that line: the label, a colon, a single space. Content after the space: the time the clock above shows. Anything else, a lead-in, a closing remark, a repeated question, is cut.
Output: 3:53
